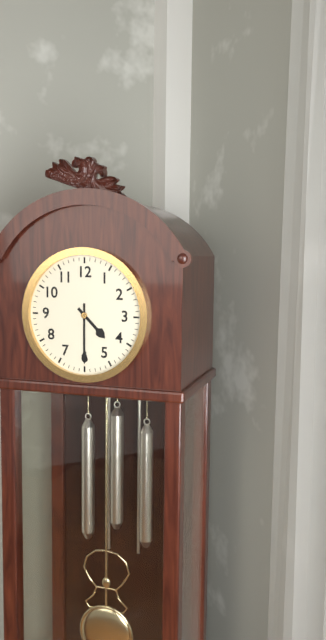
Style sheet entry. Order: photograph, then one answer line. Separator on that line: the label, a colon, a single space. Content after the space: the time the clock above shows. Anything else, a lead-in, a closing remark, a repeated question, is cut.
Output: 4:30
